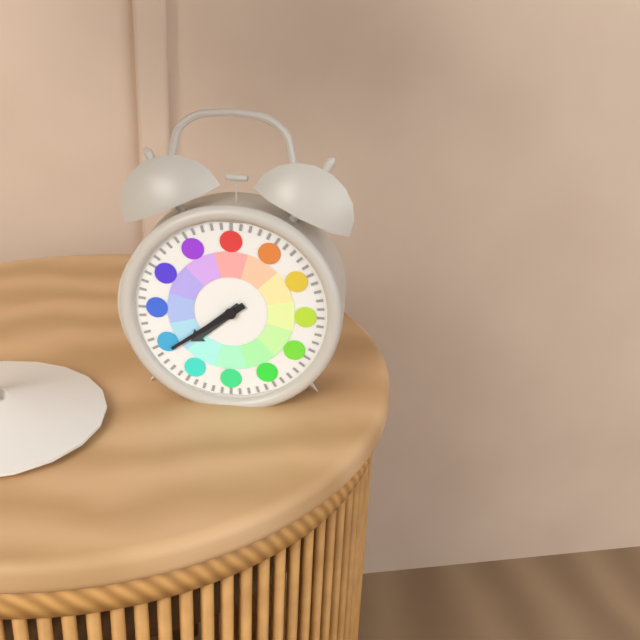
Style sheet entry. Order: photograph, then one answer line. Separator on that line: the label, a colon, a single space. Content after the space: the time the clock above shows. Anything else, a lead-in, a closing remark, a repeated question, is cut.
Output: 7:39
